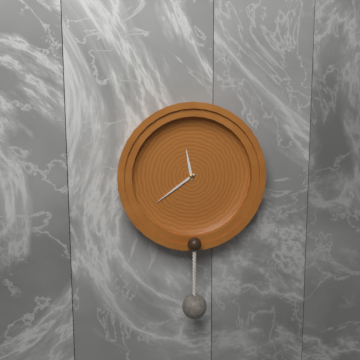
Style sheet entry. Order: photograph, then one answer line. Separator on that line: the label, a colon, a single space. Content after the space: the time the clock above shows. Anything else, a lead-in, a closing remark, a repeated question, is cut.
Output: 11:39
